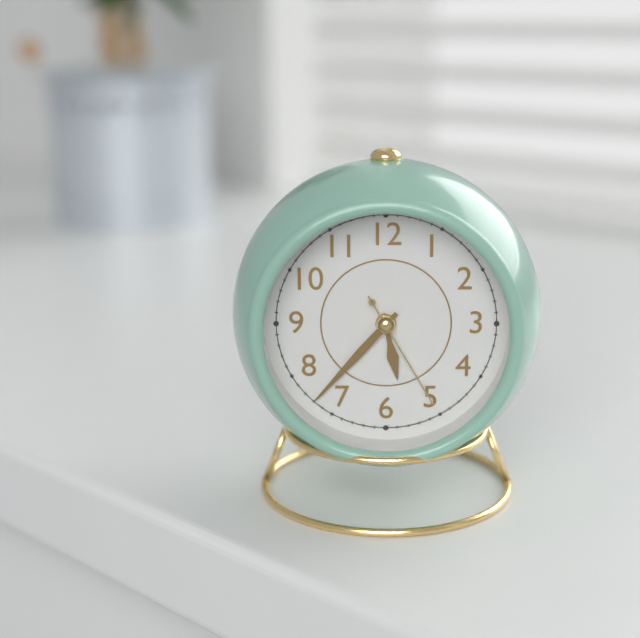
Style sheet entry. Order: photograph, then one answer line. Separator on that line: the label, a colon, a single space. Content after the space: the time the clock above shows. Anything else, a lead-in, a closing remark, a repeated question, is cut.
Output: 5:37:25
